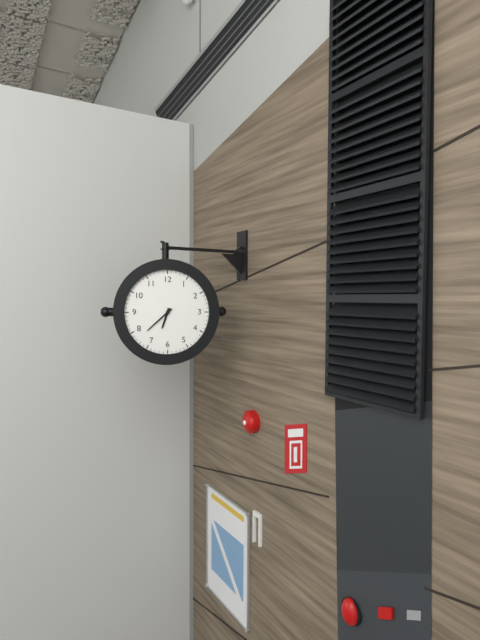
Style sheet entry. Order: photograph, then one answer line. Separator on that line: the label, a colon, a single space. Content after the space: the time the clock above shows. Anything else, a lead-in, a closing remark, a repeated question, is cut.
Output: 6:38
